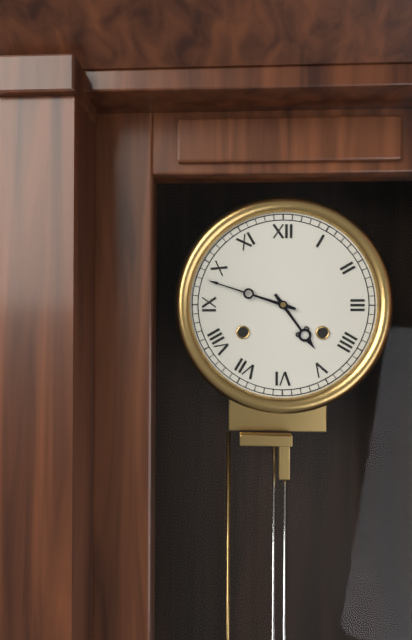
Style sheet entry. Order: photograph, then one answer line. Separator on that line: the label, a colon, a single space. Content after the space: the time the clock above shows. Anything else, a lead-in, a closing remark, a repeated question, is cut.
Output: 4:48
